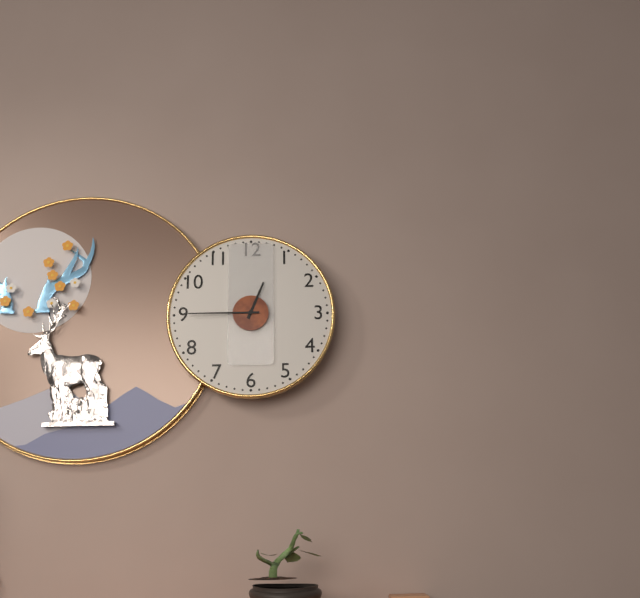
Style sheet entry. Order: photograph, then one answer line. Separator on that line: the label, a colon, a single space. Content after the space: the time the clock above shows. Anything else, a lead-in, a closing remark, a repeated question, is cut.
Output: 12:45
